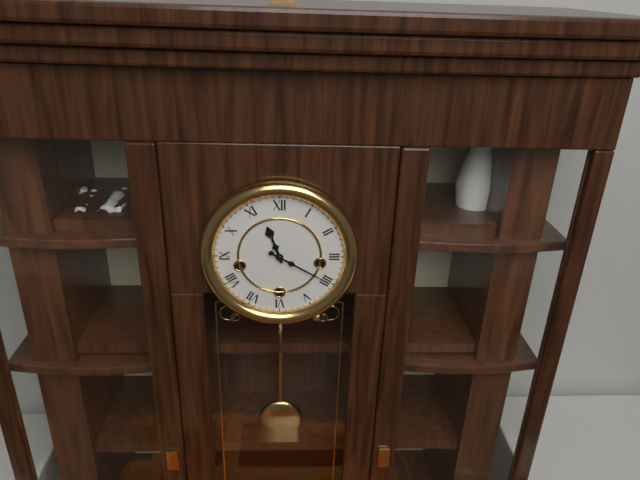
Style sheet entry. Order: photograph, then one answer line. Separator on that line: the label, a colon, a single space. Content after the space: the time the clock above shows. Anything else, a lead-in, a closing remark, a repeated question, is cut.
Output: 11:20
